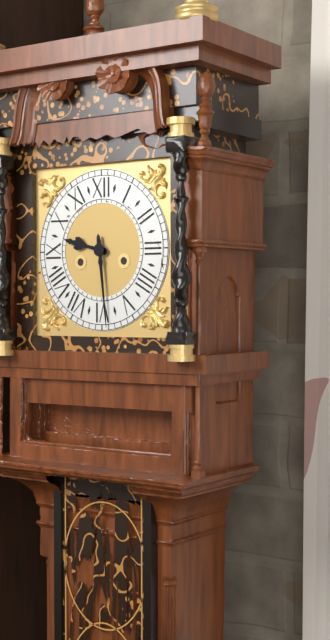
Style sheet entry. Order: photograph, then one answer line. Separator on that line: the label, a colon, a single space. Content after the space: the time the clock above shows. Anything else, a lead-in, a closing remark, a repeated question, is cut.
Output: 9:29
